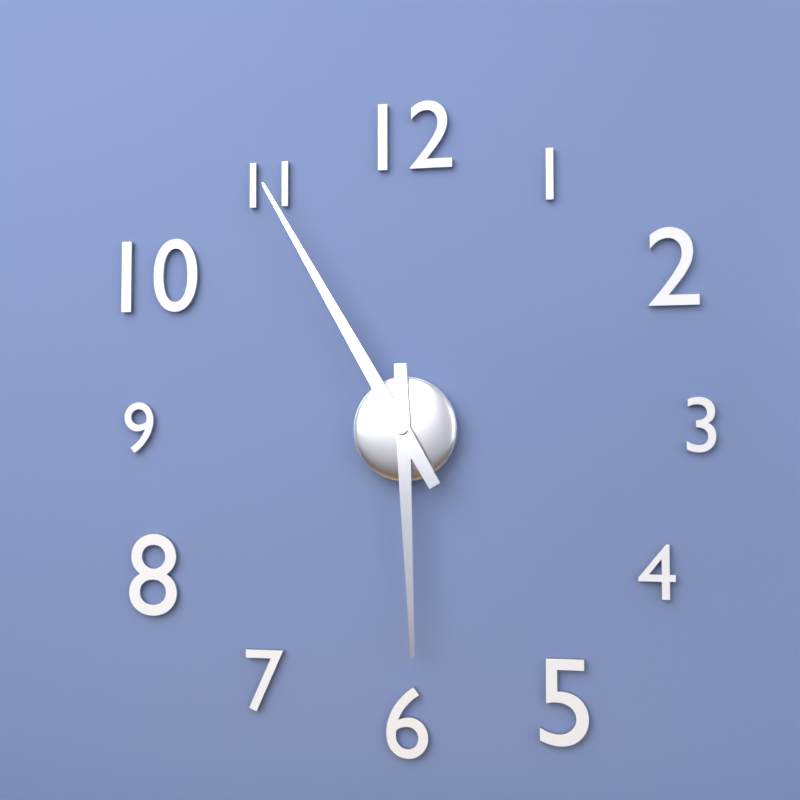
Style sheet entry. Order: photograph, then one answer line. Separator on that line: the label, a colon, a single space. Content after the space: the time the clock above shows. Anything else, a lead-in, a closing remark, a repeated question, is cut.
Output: 5:55
